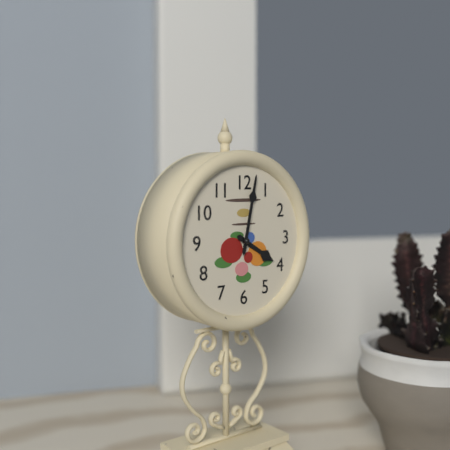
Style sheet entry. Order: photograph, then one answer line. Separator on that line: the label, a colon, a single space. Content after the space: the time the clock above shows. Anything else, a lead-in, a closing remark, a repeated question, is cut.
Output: 4:02
